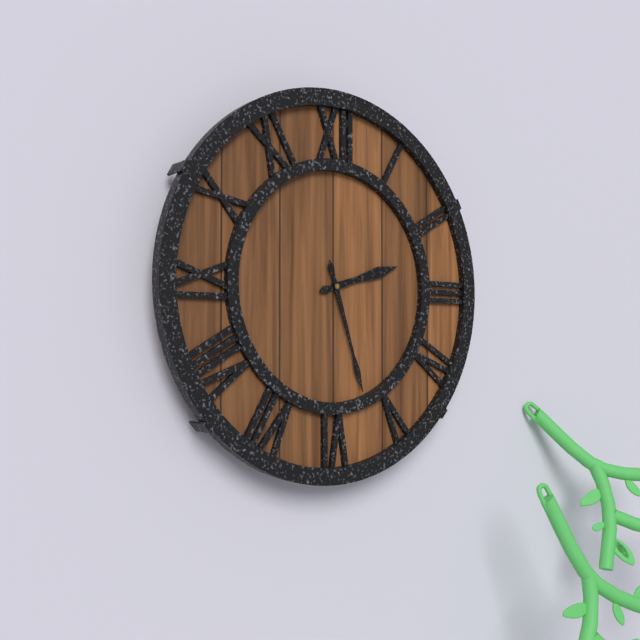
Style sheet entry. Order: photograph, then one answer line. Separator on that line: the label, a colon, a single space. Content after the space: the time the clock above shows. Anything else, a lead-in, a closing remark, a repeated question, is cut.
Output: 2:27
